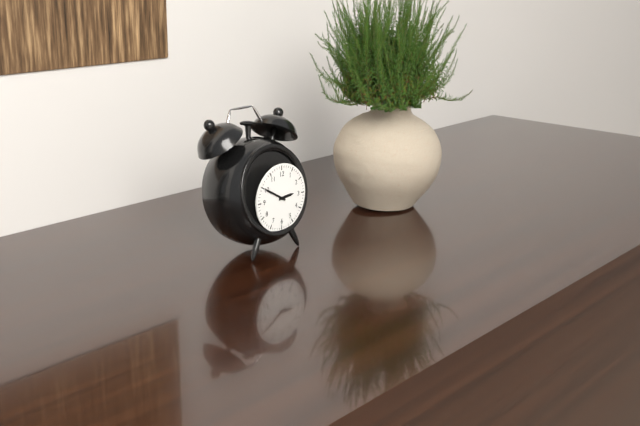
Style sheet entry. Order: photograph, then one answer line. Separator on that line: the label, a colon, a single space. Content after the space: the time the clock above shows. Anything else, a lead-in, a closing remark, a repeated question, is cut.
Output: 2:50
